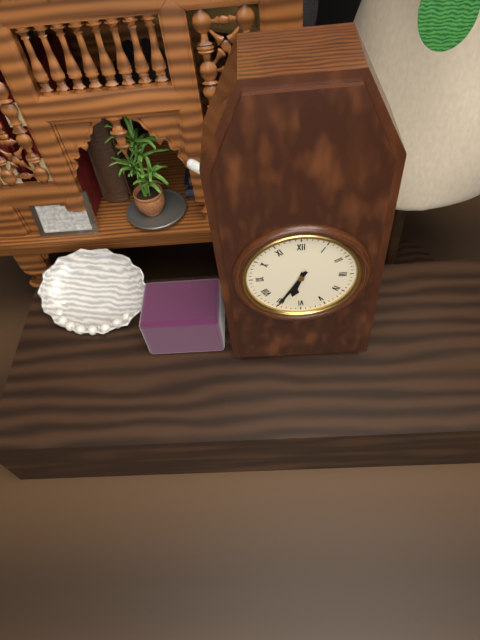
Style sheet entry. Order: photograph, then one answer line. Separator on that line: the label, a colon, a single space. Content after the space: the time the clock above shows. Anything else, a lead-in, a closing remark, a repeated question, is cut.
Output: 6:35
